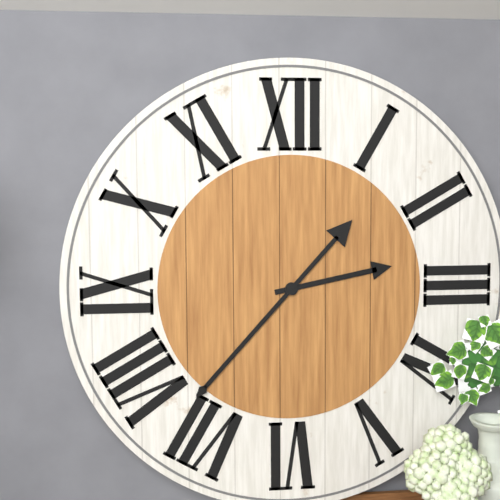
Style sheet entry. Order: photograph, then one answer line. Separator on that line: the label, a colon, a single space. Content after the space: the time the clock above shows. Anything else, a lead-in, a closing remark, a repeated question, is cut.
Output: 2:37
